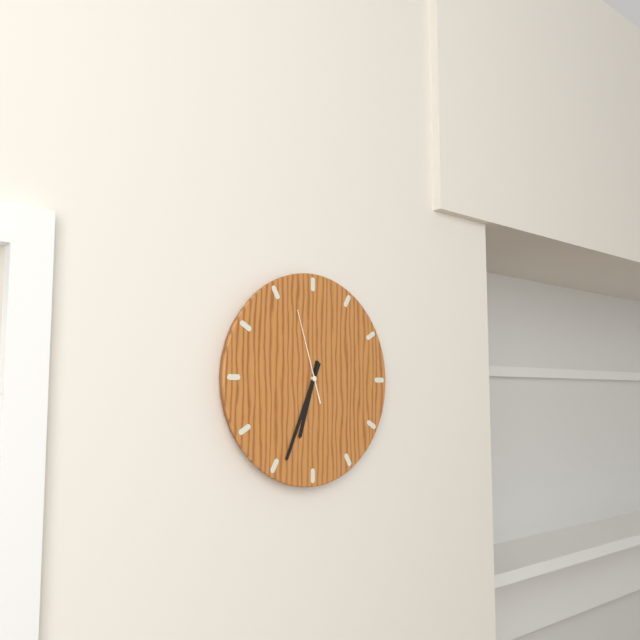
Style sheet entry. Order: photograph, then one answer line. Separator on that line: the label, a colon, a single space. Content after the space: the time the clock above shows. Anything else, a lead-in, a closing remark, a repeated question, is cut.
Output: 6:34:57
